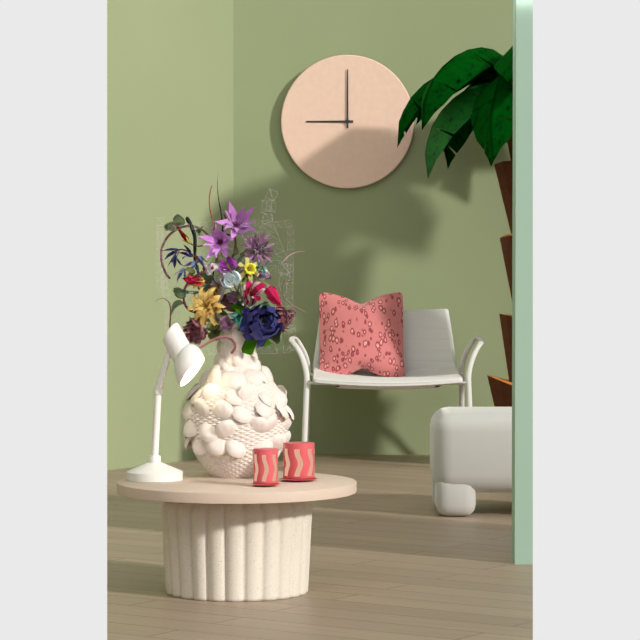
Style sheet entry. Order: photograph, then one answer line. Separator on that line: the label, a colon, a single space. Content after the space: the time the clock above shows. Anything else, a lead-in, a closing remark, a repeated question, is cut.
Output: 9:00
